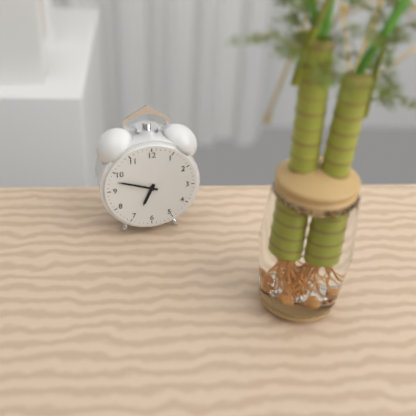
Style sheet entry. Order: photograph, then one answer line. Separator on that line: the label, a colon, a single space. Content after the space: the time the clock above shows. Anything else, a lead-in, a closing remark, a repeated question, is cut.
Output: 6:48
